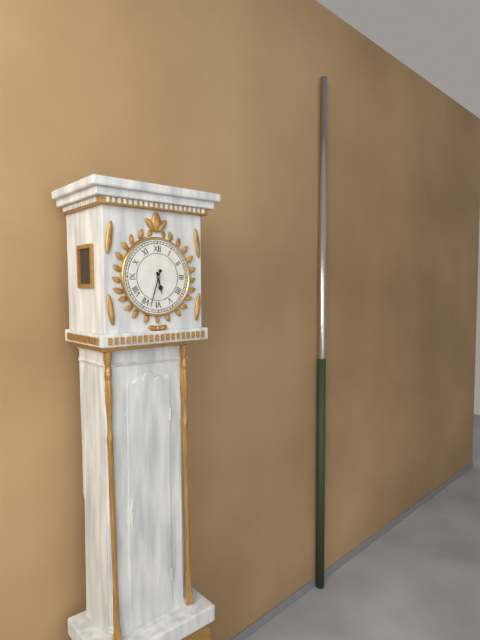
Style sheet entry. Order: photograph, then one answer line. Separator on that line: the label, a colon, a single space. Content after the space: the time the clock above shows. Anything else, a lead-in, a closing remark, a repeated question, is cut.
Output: 5:33
